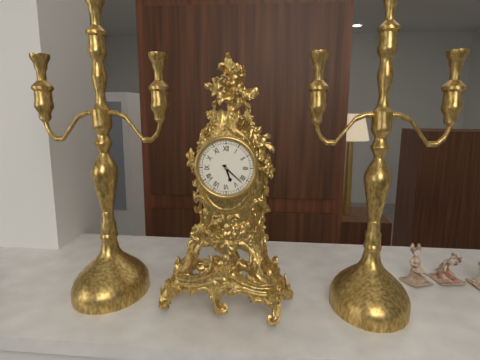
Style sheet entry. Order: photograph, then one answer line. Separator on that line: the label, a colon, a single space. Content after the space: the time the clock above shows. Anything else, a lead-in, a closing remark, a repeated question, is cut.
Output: 5:22
